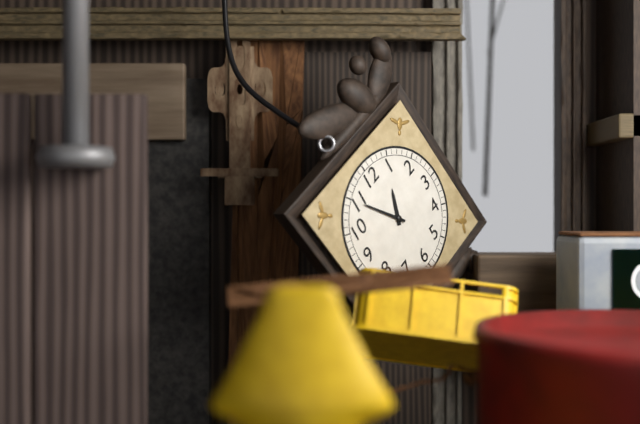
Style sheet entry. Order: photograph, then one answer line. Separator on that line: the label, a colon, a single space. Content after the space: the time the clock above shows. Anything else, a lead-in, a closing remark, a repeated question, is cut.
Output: 12:55
